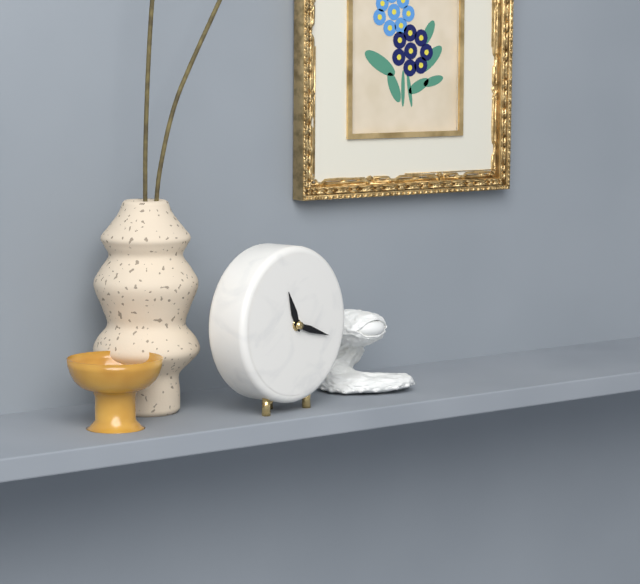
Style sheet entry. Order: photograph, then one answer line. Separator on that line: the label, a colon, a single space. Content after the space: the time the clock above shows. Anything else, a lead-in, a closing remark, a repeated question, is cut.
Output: 11:18
